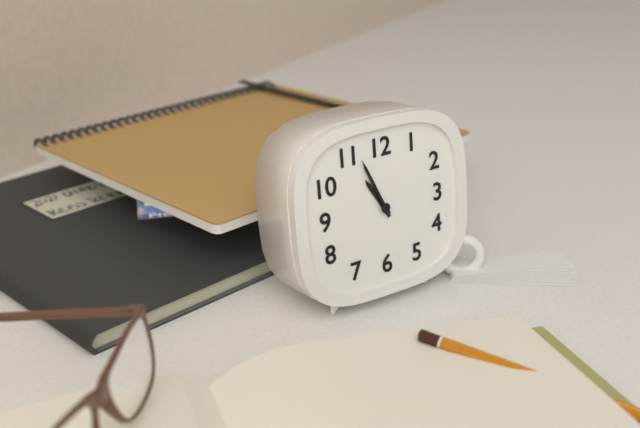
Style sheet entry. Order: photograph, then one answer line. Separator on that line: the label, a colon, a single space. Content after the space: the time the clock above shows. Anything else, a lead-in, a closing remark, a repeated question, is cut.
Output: 10:56
